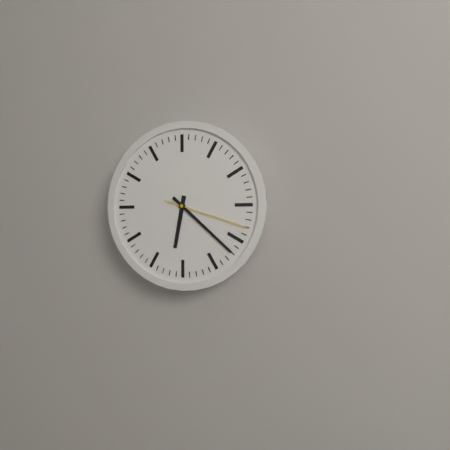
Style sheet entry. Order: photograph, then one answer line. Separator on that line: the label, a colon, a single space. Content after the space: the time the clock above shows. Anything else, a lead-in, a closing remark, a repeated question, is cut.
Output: 6:22:18
